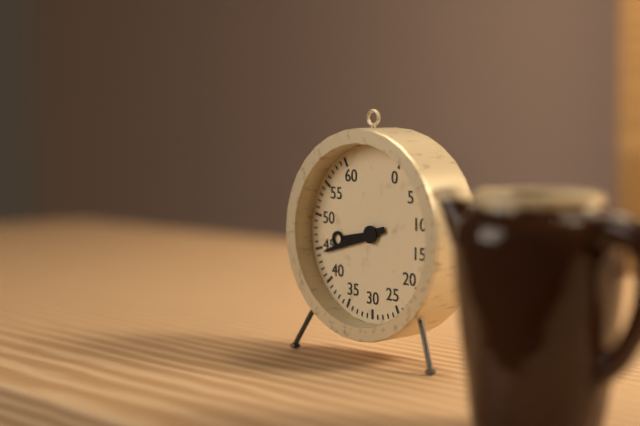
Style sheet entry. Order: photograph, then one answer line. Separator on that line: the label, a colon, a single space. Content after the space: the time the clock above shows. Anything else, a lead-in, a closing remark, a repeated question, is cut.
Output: 8:42
